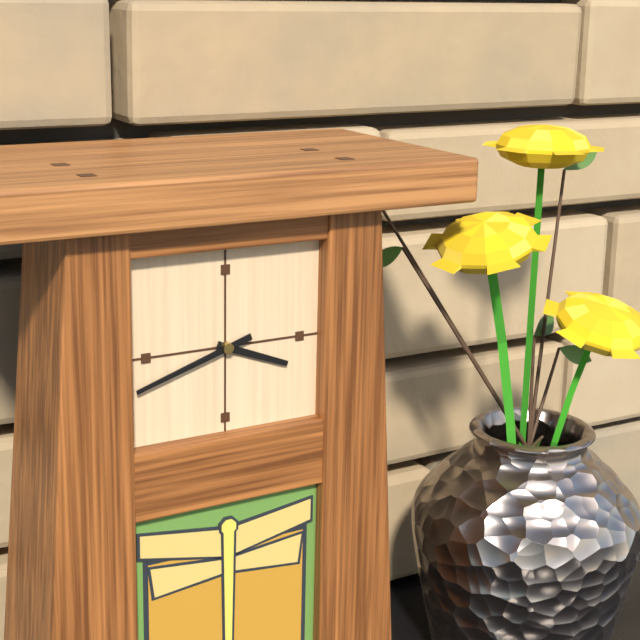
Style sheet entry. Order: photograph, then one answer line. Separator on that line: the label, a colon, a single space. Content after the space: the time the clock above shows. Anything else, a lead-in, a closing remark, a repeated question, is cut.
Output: 3:42
